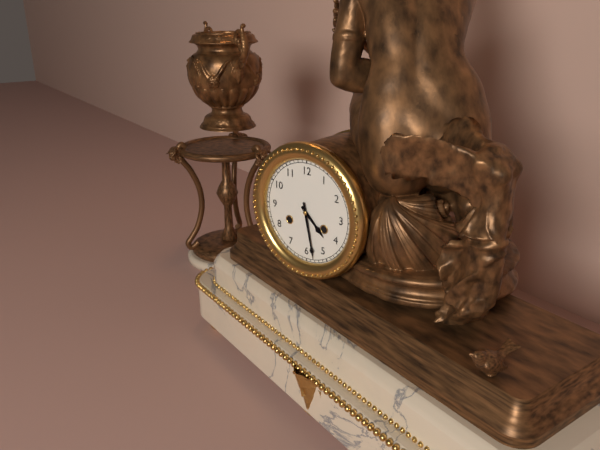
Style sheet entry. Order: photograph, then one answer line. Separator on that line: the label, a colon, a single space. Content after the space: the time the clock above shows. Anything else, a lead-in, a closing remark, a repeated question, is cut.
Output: 4:28
